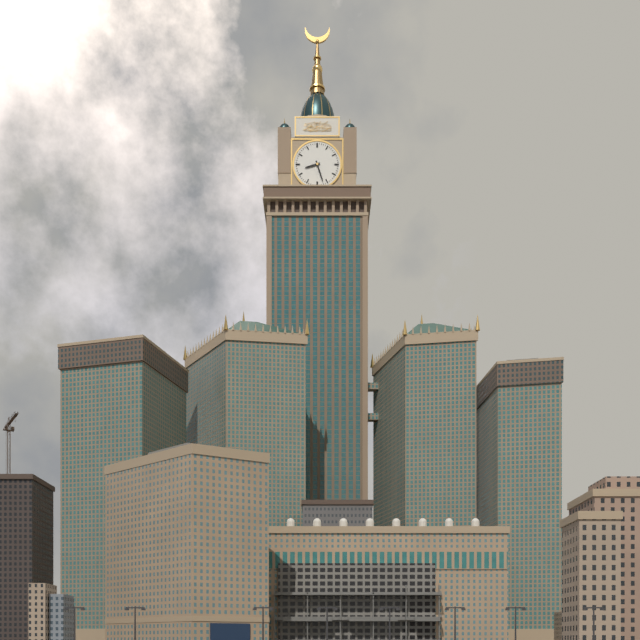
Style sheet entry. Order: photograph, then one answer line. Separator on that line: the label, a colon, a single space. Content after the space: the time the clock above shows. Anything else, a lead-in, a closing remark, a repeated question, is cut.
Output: 8:27
